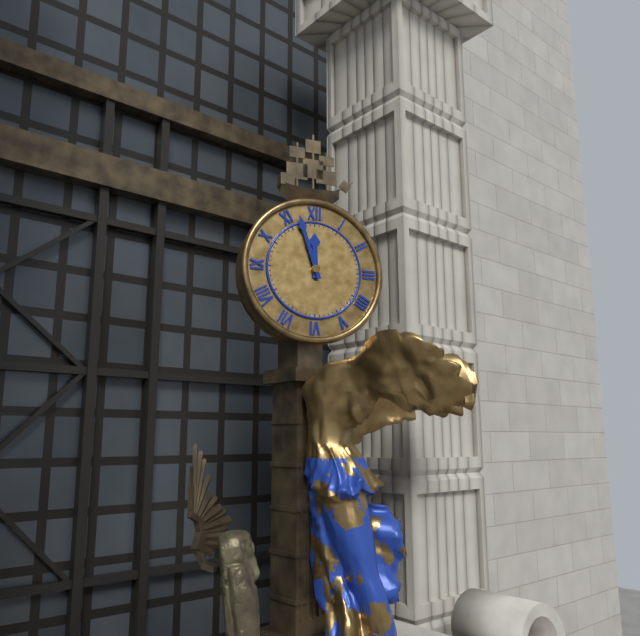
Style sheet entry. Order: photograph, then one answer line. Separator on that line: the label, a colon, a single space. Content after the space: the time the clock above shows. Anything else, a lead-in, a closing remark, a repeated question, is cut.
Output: 11:57
